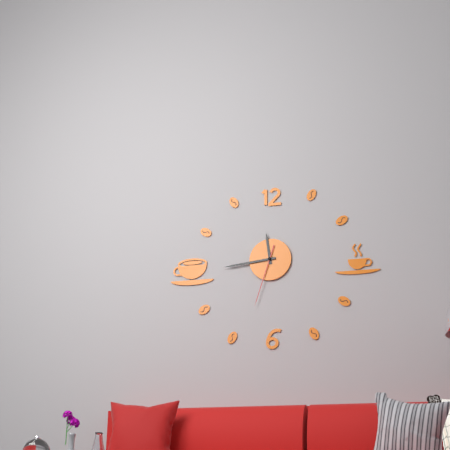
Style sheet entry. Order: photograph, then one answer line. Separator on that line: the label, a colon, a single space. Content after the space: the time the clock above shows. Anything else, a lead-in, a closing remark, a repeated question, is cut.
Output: 11:44:33
